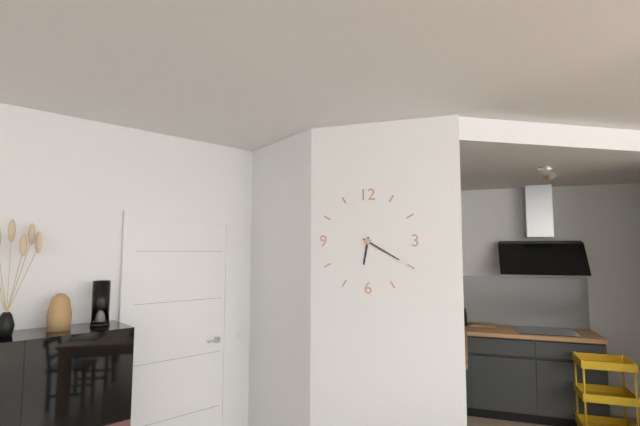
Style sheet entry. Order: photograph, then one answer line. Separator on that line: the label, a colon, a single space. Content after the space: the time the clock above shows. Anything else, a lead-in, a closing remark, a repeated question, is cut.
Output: 6:20
